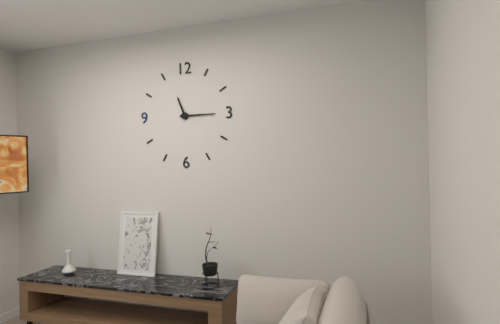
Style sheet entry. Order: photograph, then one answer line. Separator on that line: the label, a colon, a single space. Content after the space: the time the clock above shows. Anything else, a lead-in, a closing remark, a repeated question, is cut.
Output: 11:15
